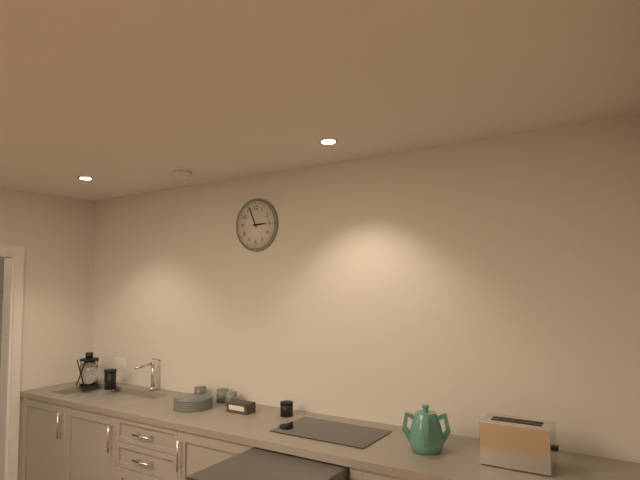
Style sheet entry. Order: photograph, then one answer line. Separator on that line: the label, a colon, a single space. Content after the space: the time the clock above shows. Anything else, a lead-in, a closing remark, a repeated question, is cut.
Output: 2:56
